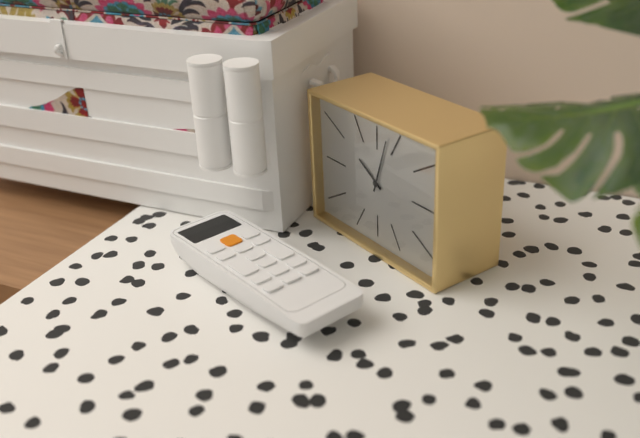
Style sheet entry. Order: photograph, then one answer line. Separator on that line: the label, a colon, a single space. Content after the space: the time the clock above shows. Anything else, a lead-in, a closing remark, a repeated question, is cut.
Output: 10:03
